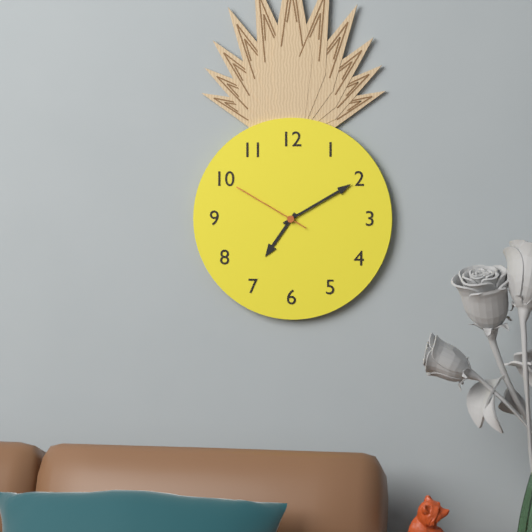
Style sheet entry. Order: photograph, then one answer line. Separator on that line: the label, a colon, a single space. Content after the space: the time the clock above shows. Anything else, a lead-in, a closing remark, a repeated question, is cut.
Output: 7:10:50
